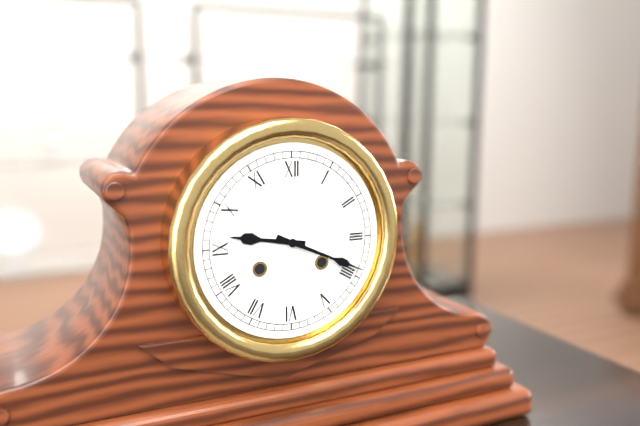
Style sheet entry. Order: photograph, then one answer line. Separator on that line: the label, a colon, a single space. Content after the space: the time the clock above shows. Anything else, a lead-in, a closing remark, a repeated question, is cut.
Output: 9:19
